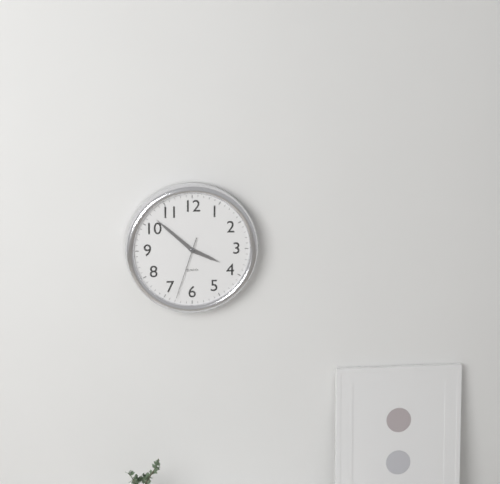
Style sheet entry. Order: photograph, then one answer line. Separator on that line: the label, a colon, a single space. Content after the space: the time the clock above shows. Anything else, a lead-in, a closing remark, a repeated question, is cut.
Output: 3:52:33
